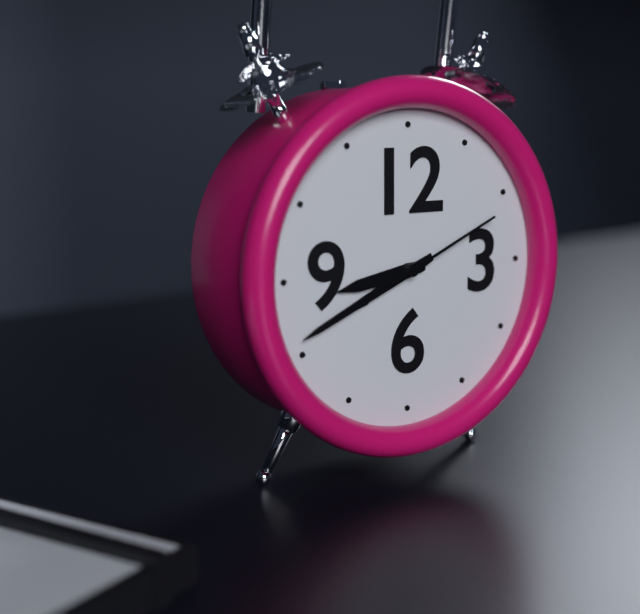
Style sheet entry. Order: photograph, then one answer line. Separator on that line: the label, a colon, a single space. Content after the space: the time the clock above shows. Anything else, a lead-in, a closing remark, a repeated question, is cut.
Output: 8:41:11
